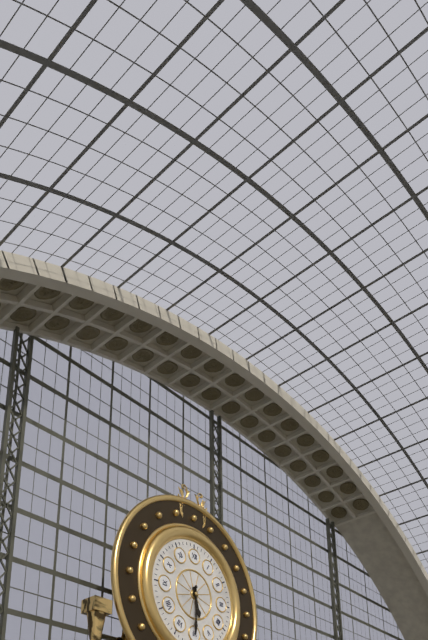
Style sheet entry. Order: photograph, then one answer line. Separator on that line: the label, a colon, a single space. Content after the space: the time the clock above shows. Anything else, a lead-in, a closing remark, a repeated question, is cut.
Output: 5:30
